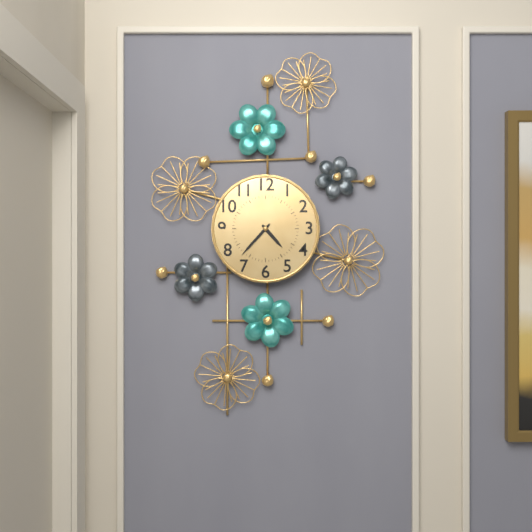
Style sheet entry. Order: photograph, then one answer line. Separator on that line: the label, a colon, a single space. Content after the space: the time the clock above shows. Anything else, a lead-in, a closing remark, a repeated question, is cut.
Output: 4:37
